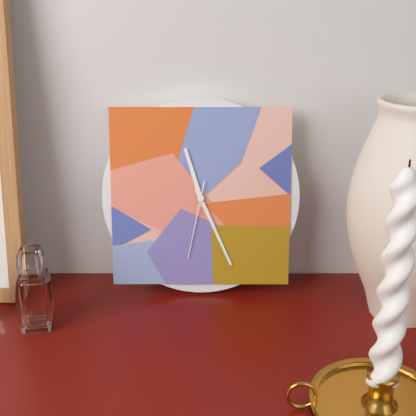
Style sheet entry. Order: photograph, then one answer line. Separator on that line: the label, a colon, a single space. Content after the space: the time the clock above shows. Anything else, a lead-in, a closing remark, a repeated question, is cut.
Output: 11:26:32
